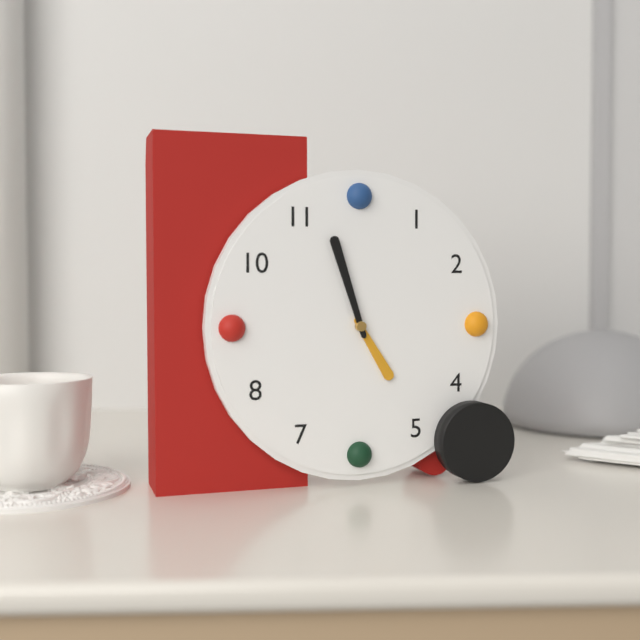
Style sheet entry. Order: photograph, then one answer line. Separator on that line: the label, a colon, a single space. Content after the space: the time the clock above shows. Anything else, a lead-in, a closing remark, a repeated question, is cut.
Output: 4:57
